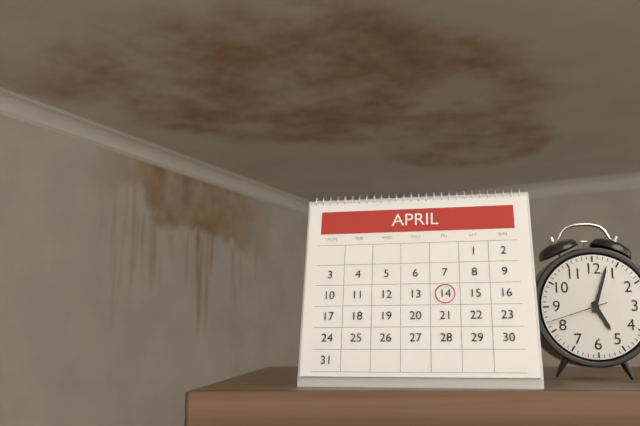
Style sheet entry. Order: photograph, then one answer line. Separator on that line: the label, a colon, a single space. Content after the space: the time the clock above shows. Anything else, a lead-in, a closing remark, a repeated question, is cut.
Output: 5:03:42
